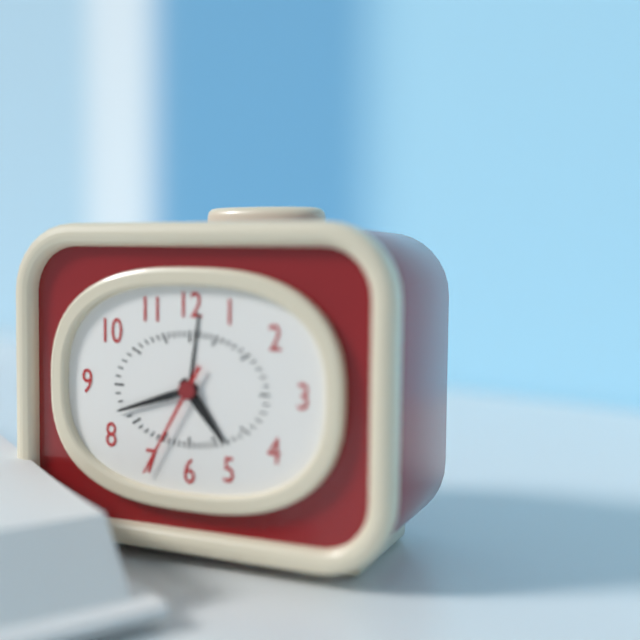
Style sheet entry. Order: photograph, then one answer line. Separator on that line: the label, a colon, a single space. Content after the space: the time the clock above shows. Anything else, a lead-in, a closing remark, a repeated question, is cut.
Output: 4:42:35
